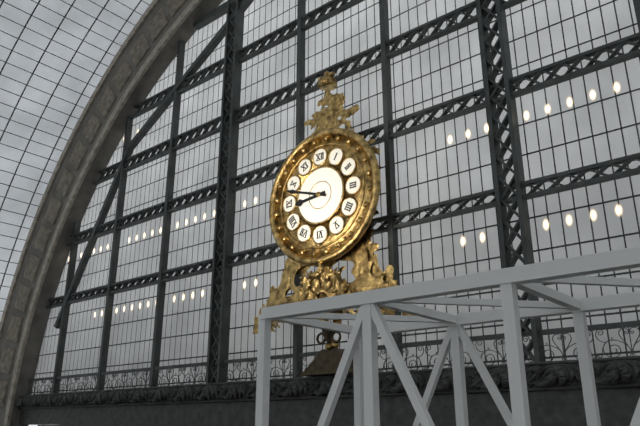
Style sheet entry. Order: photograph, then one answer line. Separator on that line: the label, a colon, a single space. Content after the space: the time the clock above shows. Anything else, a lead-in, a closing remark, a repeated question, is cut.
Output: 8:48
